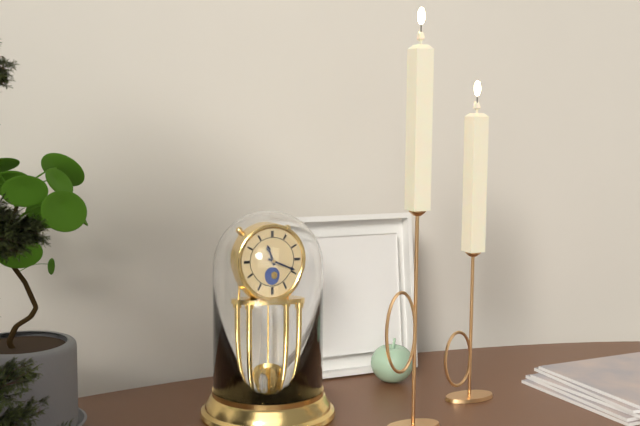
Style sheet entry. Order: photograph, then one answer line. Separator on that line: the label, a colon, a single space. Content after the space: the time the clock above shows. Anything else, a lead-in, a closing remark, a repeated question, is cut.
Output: 11:19
